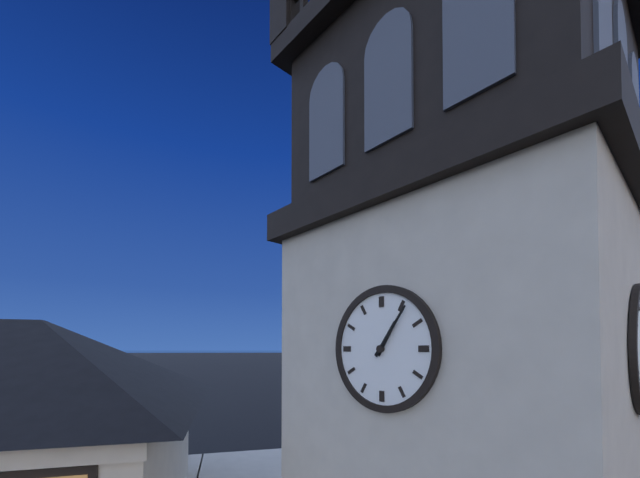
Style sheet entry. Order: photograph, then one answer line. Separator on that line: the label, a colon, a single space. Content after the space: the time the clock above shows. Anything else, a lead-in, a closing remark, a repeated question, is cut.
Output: 1:06
